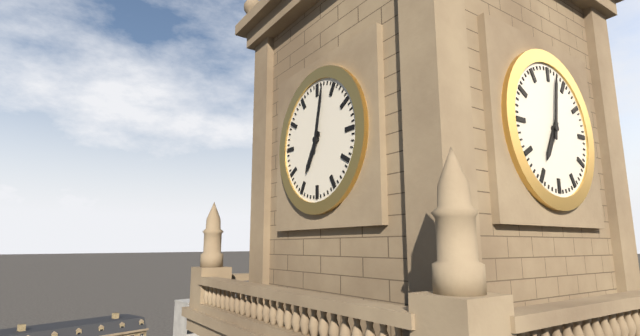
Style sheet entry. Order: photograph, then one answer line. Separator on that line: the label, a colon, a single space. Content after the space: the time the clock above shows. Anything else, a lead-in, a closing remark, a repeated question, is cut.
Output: 7:02
